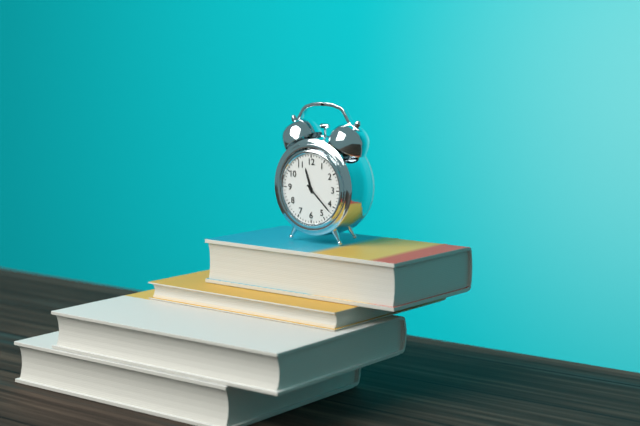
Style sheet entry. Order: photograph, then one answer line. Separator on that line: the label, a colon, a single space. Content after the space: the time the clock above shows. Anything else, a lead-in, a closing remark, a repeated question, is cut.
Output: 11:22
